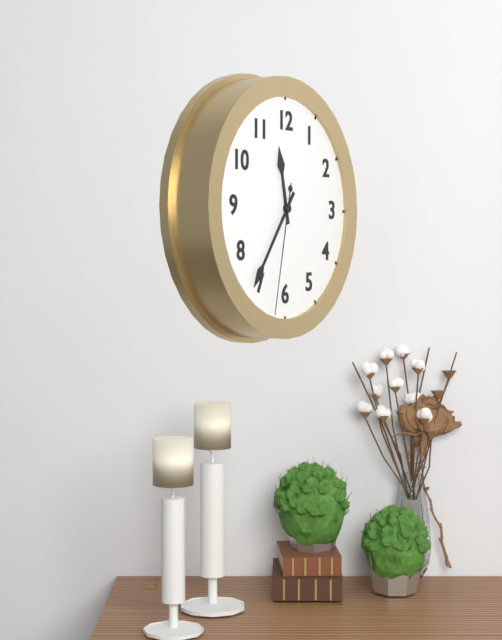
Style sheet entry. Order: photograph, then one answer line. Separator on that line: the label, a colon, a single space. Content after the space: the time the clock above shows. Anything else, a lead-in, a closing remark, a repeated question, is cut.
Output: 11:36:32
